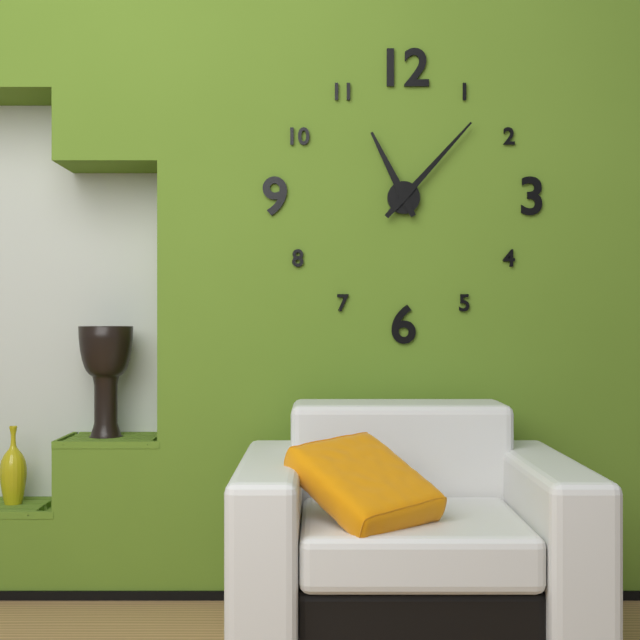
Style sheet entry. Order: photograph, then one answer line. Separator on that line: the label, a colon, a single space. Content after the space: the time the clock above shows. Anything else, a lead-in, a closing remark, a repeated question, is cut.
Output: 11:07
